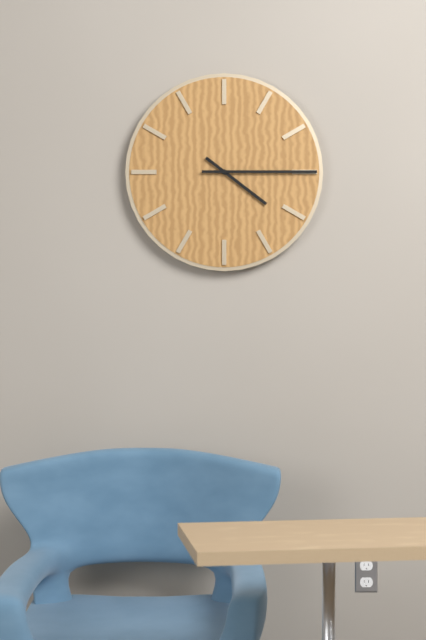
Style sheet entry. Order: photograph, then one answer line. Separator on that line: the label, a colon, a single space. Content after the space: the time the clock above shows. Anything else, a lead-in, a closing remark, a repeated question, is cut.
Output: 4:15
